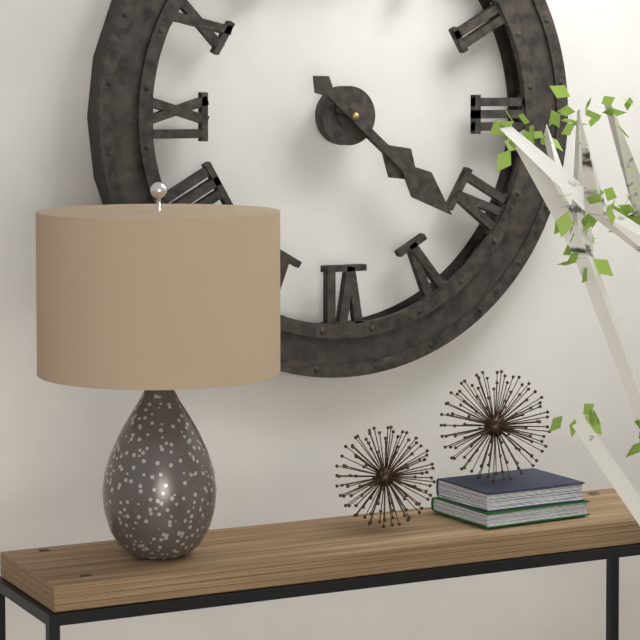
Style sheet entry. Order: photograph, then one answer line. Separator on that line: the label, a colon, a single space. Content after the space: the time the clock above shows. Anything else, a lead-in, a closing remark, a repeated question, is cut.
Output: 4:22
